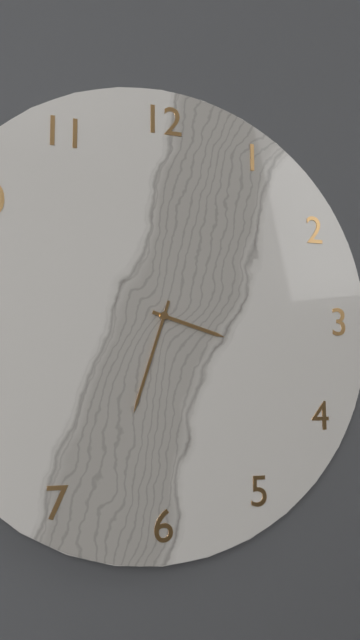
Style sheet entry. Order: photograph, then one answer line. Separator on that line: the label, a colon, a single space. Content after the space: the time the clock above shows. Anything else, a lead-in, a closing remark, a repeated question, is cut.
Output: 3:33
